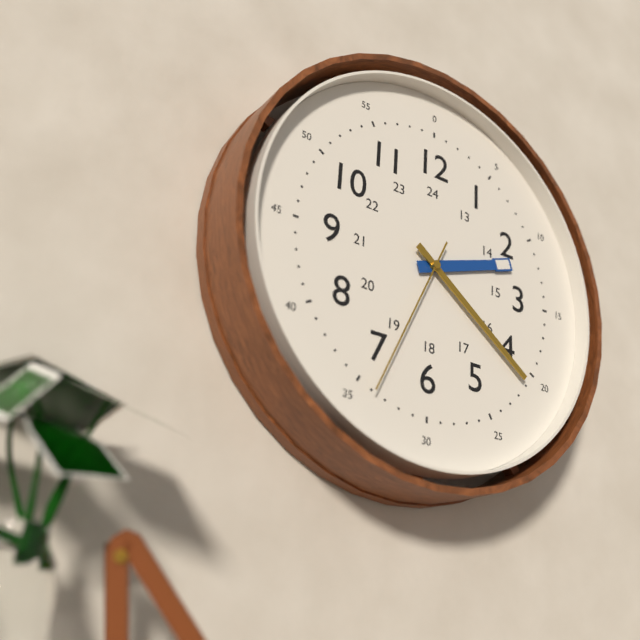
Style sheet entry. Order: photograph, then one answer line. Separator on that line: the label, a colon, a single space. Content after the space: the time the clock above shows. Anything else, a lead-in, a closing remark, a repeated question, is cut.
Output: 2:21:34
